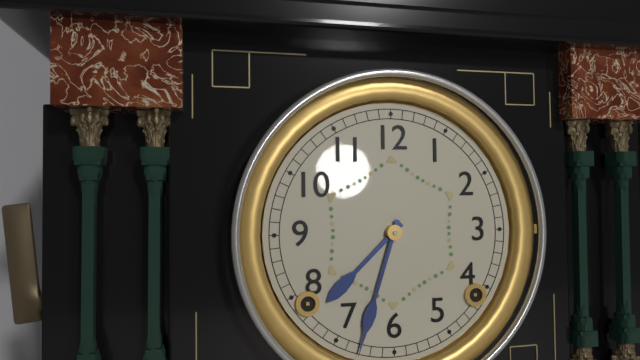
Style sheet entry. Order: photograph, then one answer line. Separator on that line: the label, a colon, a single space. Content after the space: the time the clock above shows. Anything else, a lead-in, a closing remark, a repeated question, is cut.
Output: 7:33
